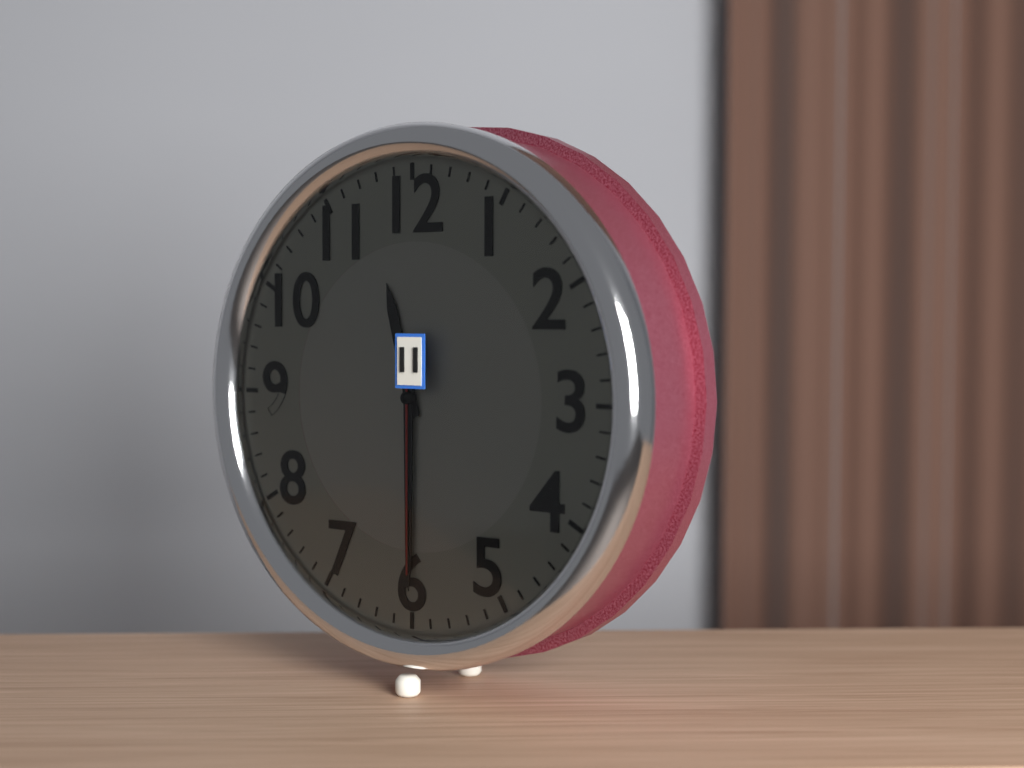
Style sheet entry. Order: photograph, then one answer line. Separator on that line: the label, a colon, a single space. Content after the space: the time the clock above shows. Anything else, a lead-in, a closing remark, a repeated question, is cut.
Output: 11:30:30
